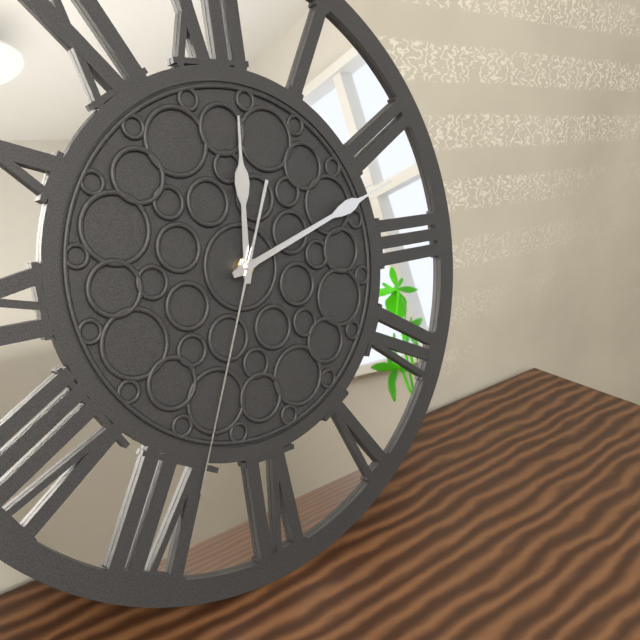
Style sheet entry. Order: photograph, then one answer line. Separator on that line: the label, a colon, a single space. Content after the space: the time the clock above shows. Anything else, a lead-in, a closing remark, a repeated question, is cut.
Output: 12:12:34
